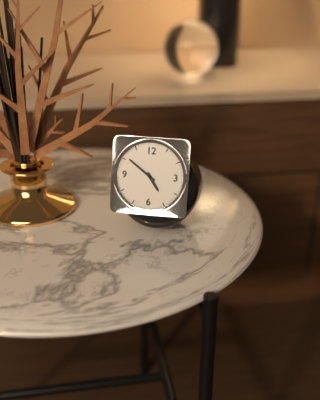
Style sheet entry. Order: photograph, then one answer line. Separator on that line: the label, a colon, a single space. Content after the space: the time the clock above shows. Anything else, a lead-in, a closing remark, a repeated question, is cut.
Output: 4:51
